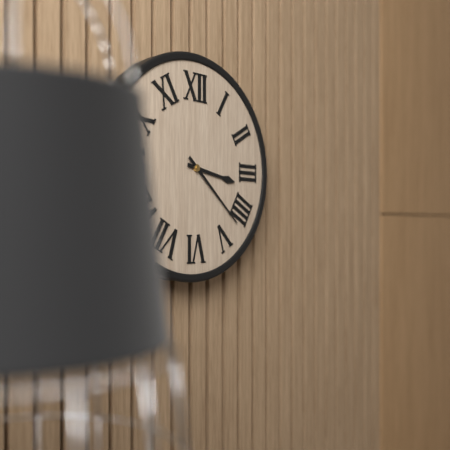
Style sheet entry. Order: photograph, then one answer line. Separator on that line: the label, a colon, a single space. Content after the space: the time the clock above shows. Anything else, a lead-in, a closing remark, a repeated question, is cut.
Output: 3:22
